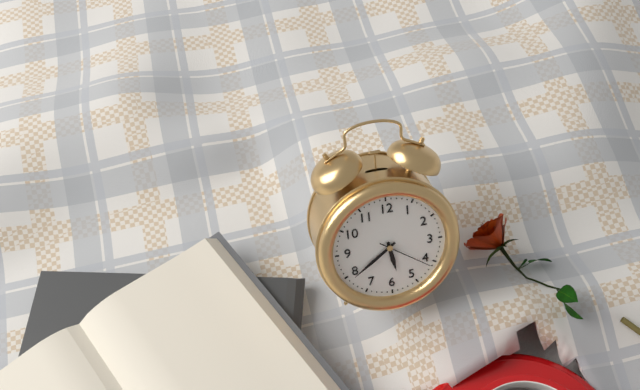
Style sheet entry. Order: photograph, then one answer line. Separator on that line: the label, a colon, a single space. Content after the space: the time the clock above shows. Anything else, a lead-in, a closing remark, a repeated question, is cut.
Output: 5:39:21
